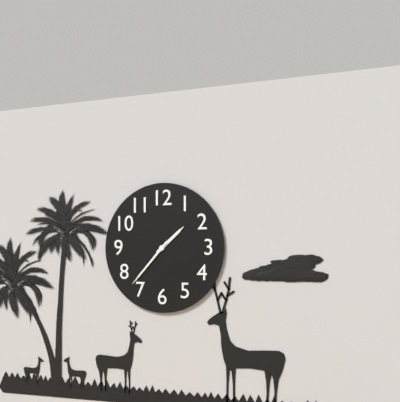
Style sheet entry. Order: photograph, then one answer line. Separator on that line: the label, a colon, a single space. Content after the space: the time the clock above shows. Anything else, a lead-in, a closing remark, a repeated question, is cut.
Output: 1:37
